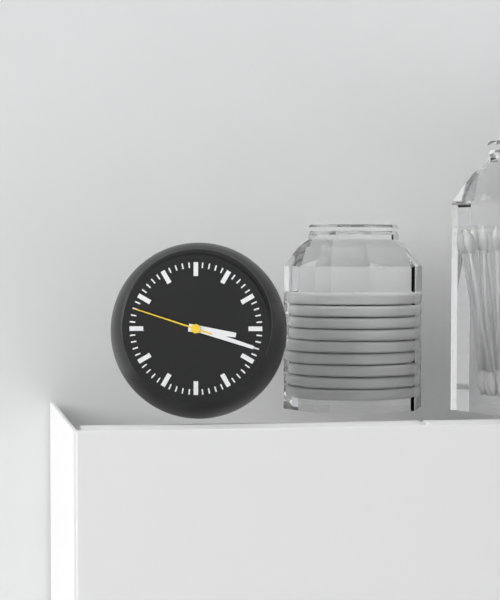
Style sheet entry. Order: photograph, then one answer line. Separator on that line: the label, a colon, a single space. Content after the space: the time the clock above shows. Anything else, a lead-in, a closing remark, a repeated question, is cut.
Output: 3:18:48
